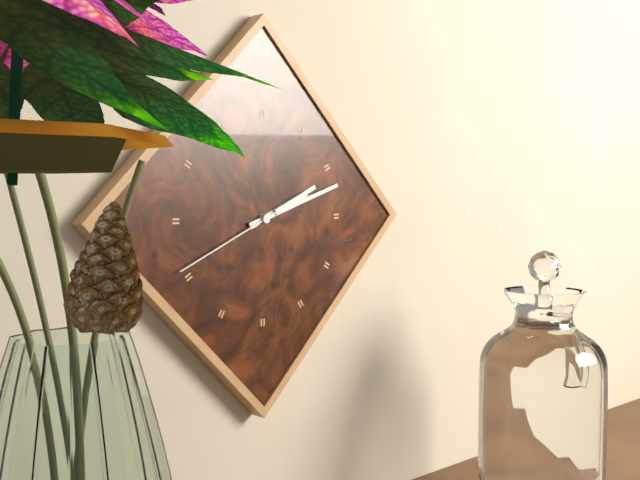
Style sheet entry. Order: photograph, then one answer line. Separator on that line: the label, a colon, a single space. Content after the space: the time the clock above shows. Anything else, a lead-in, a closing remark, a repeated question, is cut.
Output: 2:12:41
